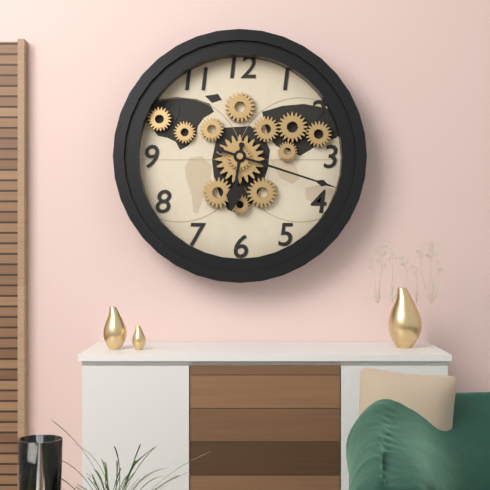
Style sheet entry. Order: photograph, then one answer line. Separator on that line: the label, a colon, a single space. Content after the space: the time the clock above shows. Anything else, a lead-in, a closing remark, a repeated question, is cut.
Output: 6:18
